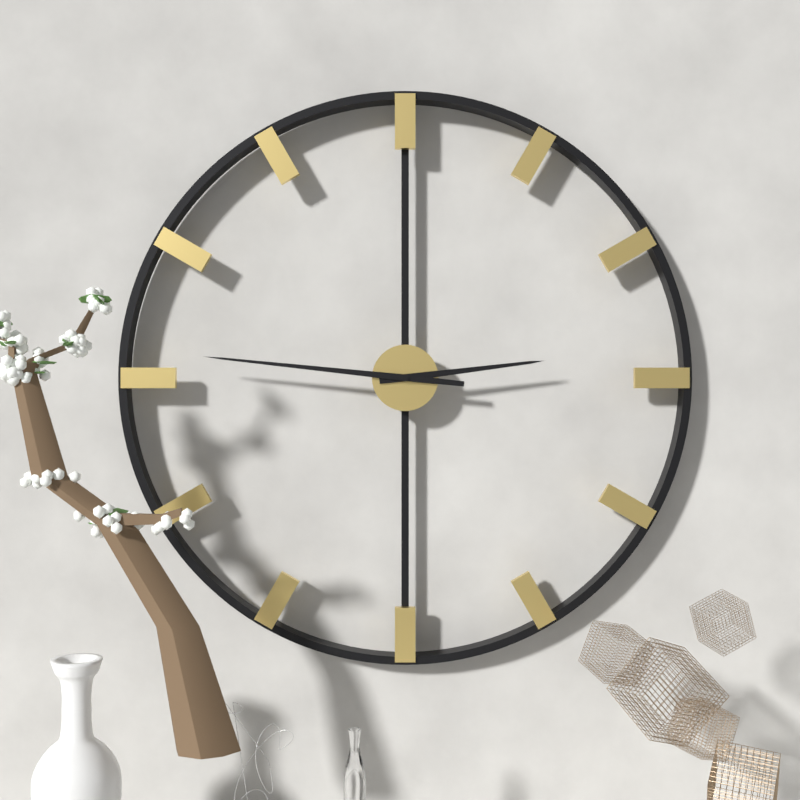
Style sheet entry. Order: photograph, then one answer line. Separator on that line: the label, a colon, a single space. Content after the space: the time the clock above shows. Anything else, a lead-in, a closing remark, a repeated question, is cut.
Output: 2:46
